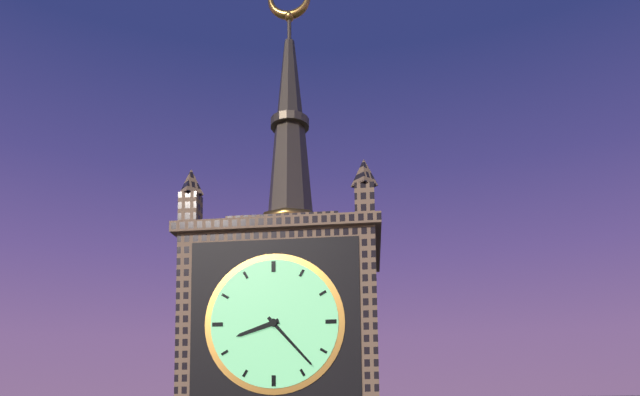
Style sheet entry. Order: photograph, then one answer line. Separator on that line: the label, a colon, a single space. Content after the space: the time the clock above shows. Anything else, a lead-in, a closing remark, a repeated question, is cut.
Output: 8:23
